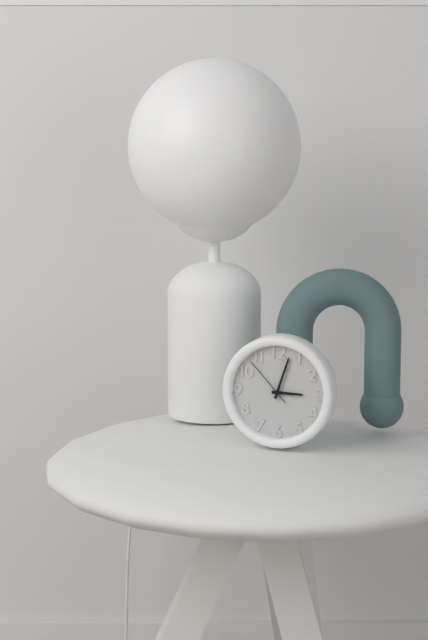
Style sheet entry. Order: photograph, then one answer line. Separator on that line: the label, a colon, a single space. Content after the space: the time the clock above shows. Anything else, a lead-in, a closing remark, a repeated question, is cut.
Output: 3:03:53
